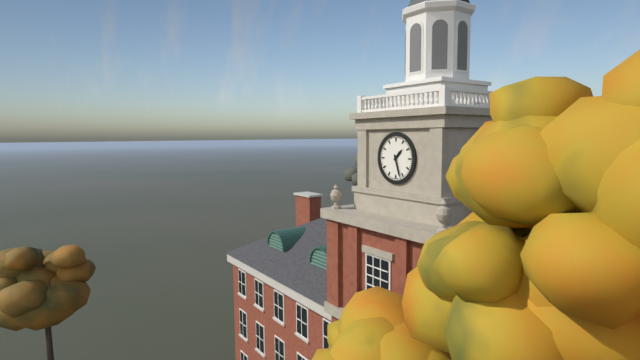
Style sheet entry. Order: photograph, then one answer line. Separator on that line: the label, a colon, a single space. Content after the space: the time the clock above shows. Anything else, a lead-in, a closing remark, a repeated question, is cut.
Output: 1:27
